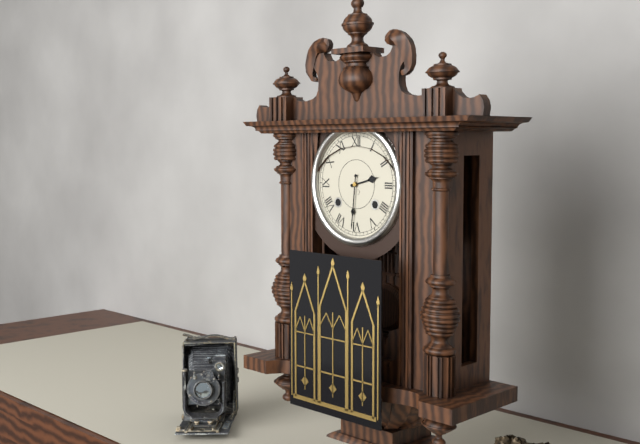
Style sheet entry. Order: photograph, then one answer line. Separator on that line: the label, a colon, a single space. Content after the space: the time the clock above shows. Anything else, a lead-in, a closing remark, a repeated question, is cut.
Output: 2:31
